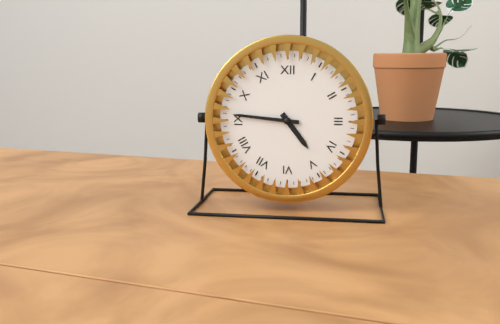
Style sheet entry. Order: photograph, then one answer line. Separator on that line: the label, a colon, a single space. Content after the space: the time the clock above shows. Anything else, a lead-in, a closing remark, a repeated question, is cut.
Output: 4:46
